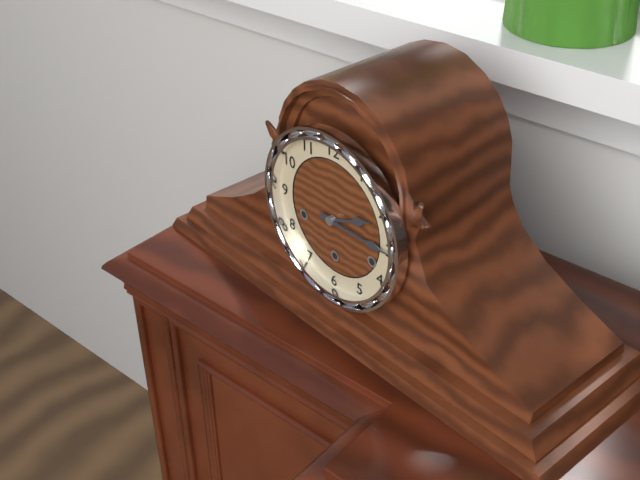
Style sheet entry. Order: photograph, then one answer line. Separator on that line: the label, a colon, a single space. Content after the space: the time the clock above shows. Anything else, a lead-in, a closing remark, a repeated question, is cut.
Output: 2:15
